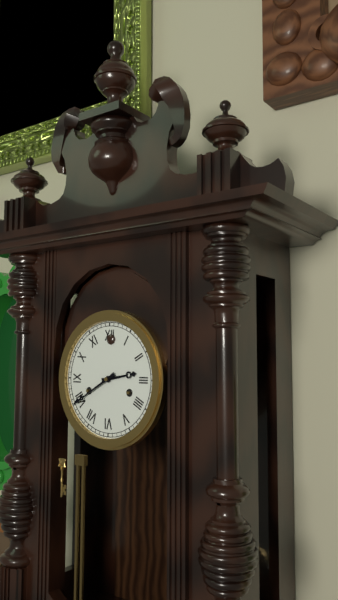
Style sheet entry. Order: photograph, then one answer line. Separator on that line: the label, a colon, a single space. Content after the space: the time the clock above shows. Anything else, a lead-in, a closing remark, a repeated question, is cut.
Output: 2:40
